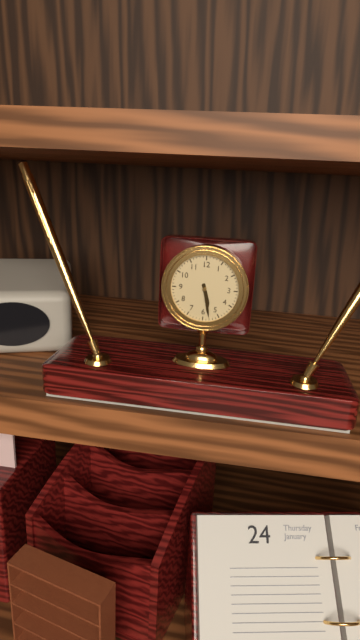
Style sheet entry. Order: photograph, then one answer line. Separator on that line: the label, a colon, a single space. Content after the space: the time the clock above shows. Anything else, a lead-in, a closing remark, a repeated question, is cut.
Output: 5:28
